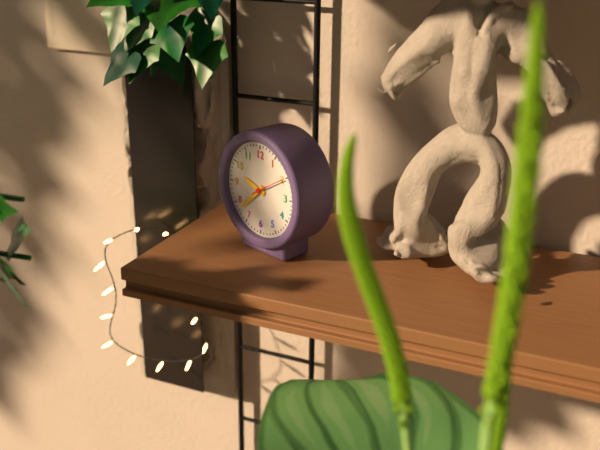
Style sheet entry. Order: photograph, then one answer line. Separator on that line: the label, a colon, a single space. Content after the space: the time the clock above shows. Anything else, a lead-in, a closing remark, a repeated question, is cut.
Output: 9:38
